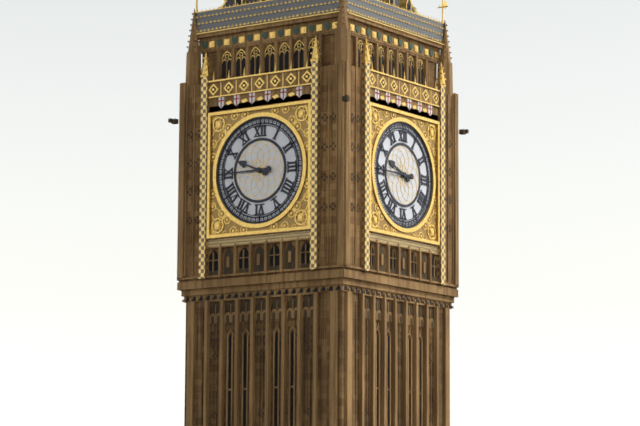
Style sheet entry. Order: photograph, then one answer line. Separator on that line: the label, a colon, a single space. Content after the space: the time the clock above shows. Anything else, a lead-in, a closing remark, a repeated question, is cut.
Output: 9:45
